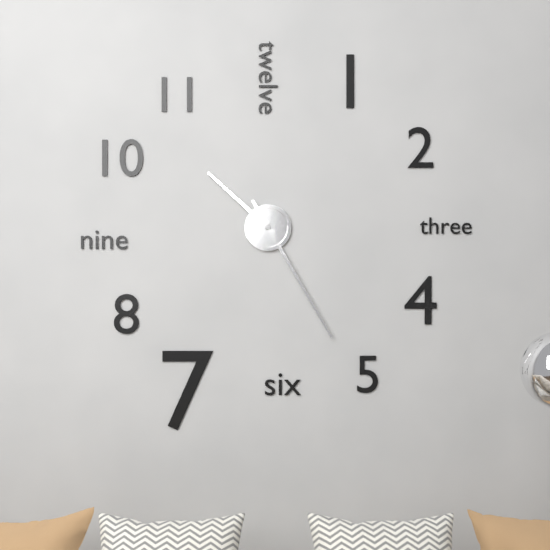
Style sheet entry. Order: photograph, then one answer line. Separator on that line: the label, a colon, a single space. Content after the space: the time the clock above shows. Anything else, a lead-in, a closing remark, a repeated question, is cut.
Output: 10:25
